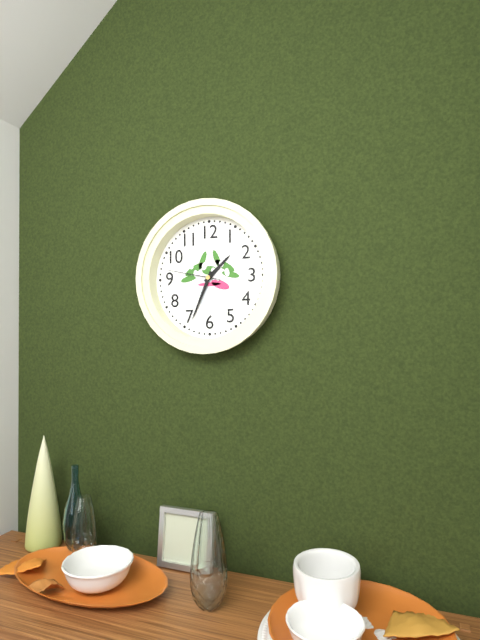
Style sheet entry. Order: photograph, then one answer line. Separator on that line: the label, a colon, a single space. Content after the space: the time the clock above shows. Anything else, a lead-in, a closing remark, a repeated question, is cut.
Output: 1:34:47
